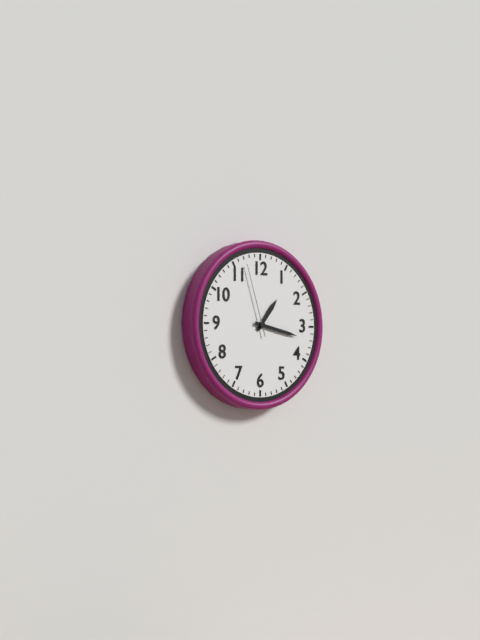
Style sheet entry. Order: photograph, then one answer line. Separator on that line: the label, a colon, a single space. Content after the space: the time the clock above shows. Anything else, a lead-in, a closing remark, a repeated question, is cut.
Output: 1:17:57
